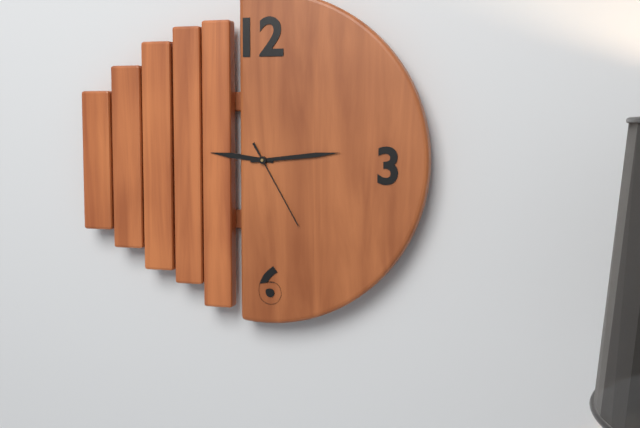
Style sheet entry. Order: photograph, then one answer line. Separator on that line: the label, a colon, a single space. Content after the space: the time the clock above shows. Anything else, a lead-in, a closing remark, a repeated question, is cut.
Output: 9:14:25
